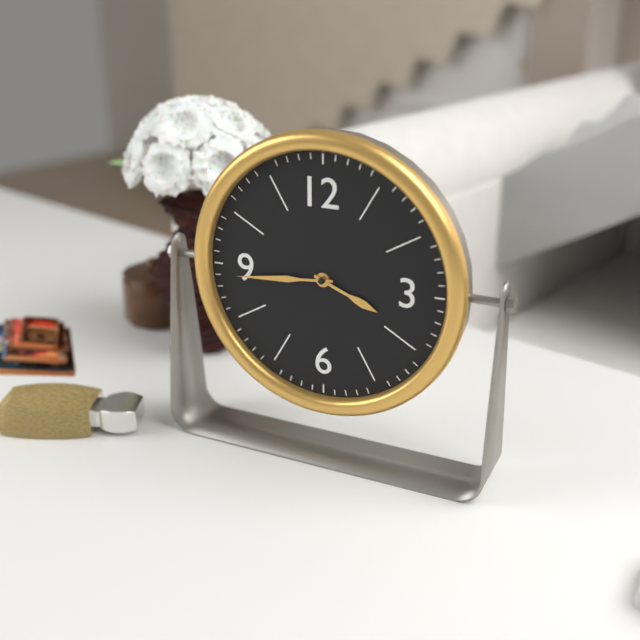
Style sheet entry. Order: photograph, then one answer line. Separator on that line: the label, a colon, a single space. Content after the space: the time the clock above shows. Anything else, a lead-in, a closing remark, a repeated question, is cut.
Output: 3:44
